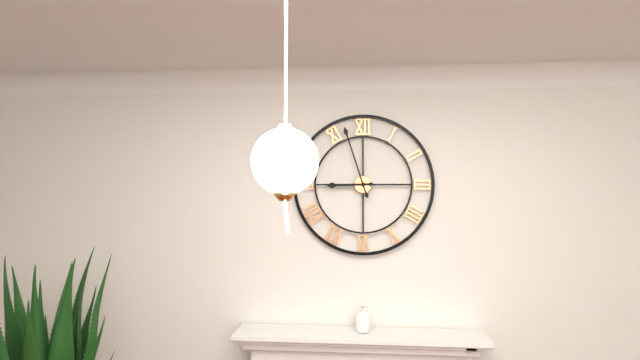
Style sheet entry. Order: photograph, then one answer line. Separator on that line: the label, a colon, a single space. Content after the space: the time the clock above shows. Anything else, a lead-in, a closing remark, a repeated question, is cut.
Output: 8:57
